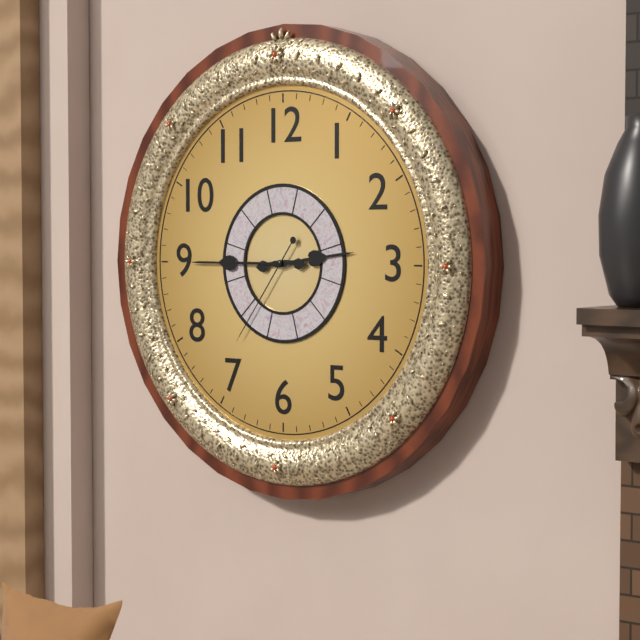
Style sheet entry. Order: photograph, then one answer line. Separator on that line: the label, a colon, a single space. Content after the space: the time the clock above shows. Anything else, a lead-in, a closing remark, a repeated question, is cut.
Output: 2:45:36
